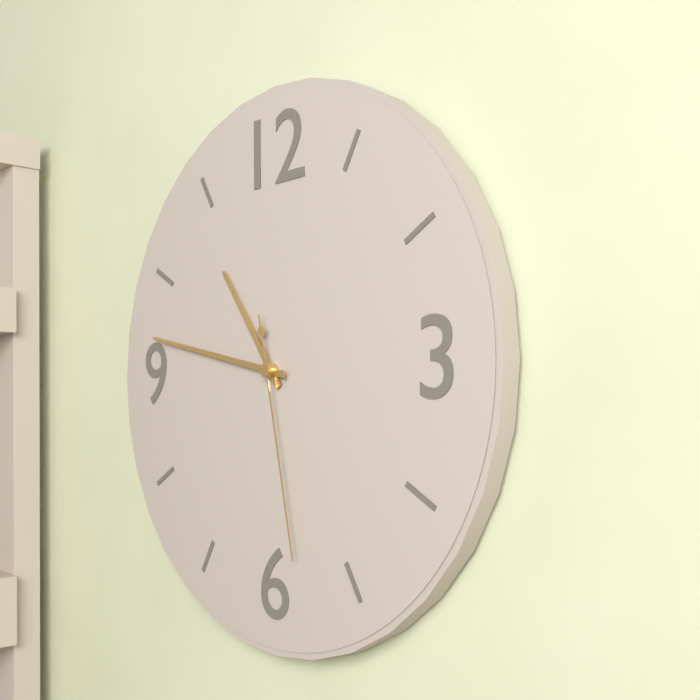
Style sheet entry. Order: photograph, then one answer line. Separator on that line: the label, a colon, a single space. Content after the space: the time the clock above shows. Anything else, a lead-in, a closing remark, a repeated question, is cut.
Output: 10:47:28
